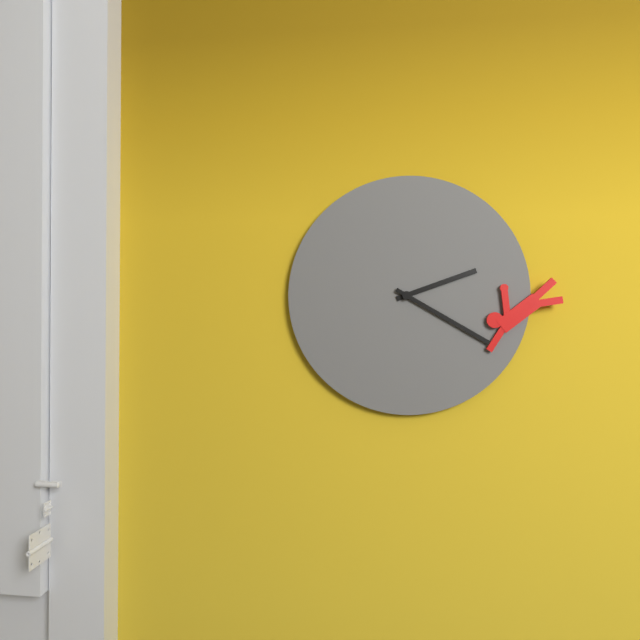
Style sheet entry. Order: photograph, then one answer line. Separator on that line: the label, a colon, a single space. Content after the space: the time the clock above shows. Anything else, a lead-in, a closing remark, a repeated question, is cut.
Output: 2:20
